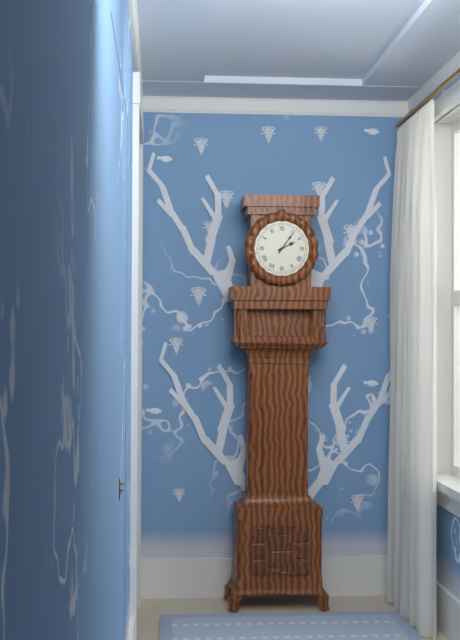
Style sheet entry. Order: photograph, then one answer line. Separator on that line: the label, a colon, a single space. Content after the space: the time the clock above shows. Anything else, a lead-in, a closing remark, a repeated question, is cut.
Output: 2:06
